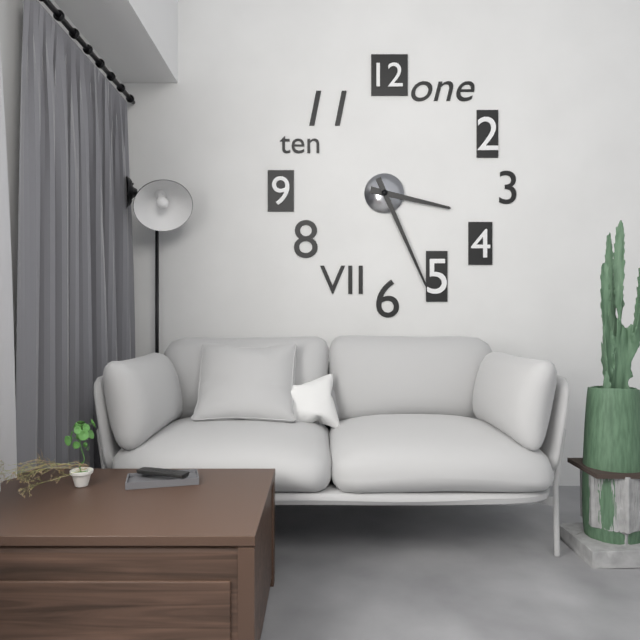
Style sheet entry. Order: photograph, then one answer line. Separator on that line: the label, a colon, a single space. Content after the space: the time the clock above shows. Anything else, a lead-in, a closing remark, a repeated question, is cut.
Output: 3:26
